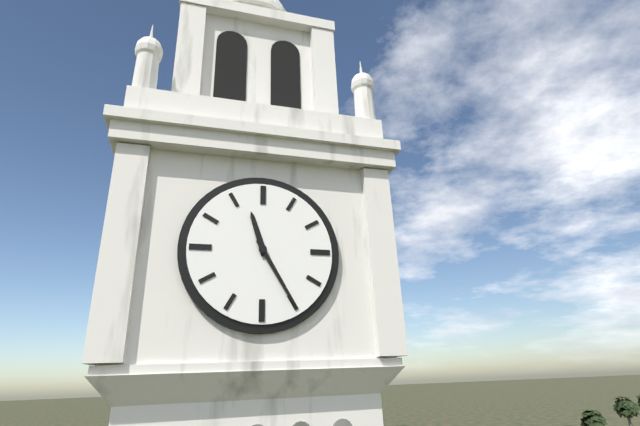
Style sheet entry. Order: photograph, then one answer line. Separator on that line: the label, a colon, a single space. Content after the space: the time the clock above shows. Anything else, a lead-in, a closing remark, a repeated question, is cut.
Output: 11:25
